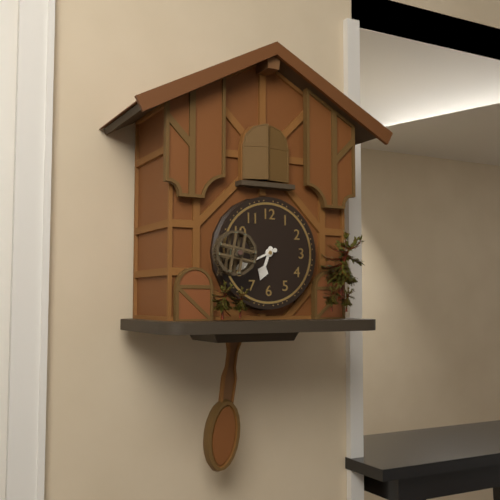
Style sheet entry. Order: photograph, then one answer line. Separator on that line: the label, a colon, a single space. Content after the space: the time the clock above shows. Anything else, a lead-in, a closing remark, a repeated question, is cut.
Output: 6:41
